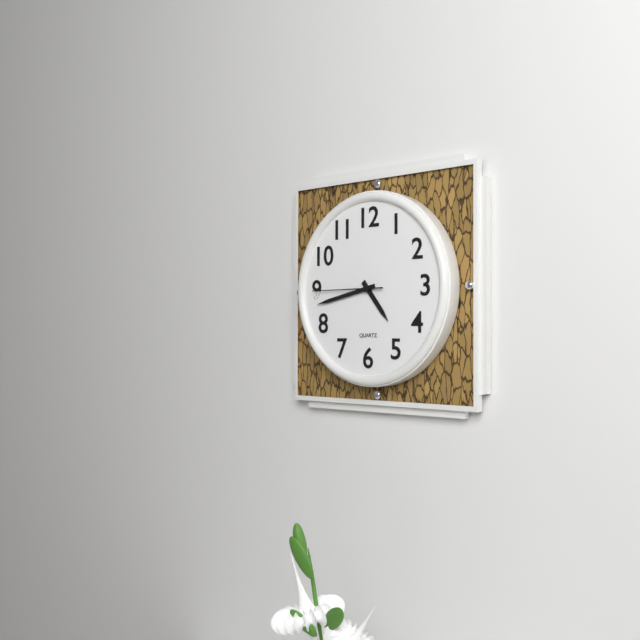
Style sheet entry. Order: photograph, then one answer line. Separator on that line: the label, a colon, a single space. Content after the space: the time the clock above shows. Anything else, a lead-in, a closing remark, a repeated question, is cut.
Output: 4:43:45
